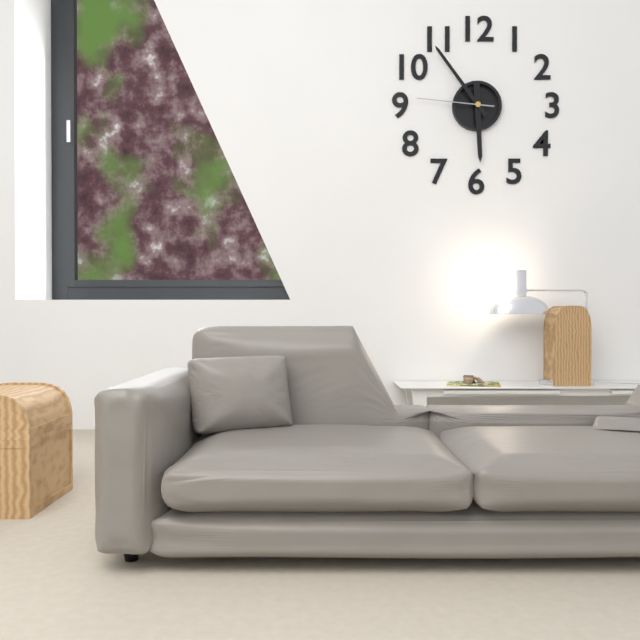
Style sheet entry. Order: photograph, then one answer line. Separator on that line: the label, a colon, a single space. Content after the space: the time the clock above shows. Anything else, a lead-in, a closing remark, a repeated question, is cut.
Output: 5:54:46
